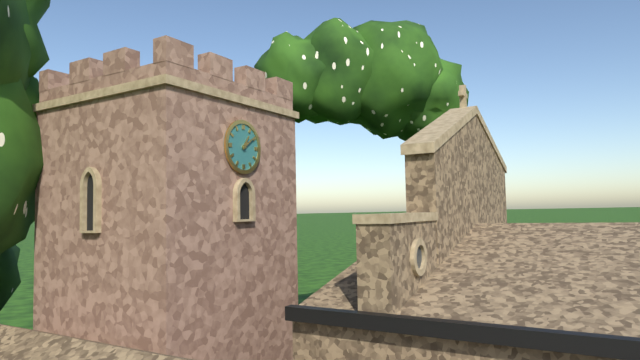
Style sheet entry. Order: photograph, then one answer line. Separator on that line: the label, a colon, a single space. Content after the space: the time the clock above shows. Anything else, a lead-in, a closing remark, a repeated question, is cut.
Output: 1:09
